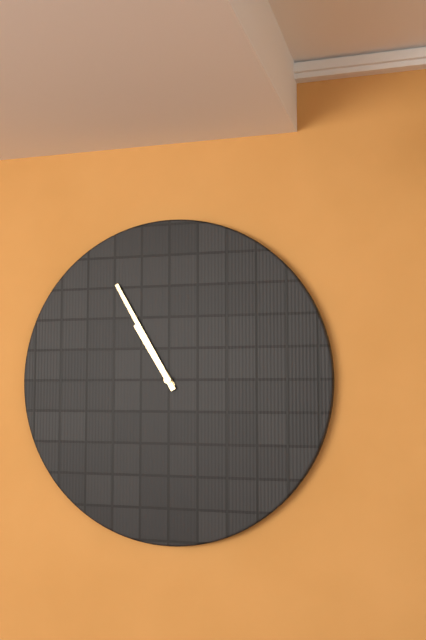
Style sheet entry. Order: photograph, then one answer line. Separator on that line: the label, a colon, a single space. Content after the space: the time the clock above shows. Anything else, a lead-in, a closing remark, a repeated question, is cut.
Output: 10:55
